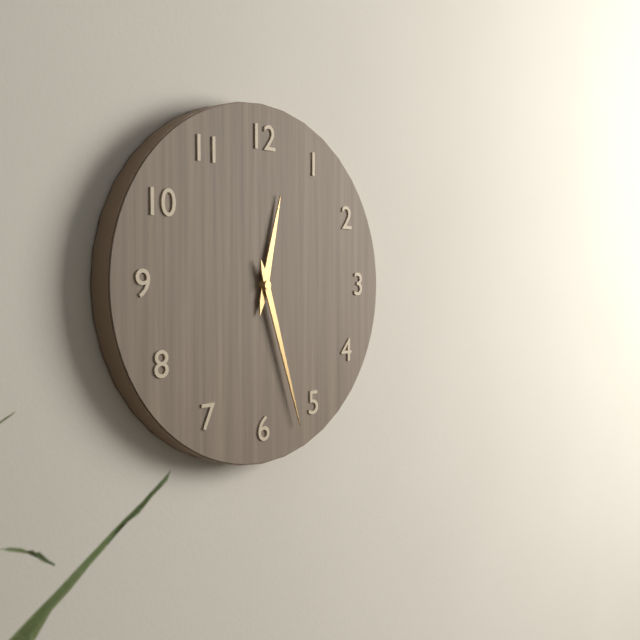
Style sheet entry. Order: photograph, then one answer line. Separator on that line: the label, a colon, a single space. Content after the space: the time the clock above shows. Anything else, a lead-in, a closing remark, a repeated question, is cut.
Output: 12:27
